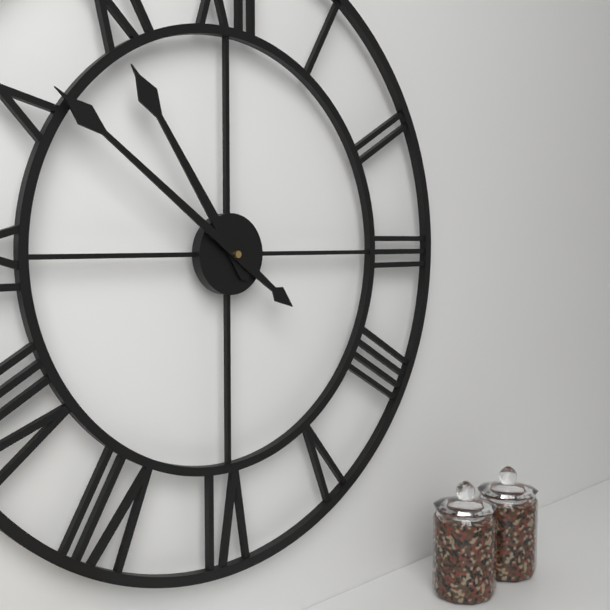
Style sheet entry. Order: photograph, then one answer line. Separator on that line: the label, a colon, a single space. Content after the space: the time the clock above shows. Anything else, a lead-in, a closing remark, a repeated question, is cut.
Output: 10:51
